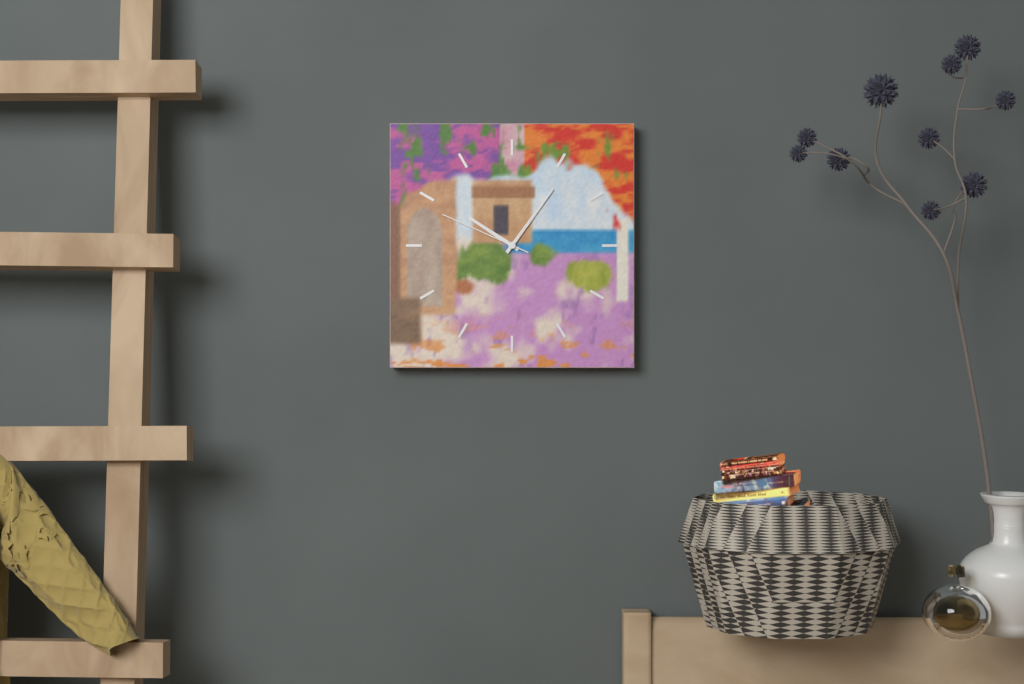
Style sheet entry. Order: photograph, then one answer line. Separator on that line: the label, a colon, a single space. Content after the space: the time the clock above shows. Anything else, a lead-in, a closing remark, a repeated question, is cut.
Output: 10:06:49
